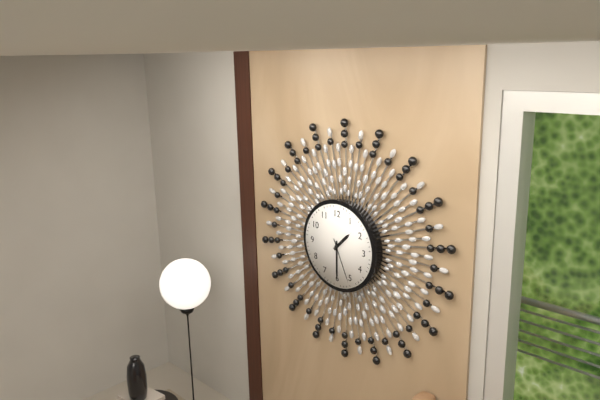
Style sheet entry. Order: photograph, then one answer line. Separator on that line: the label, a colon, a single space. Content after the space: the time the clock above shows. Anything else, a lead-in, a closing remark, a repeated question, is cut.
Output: 1:30
